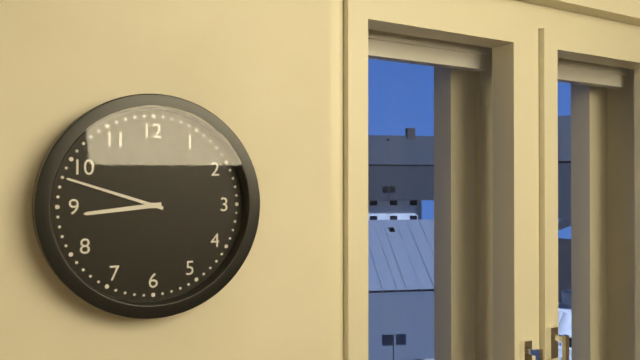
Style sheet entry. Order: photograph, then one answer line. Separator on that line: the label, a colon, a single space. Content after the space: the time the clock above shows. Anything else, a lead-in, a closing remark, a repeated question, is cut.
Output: 8:48
